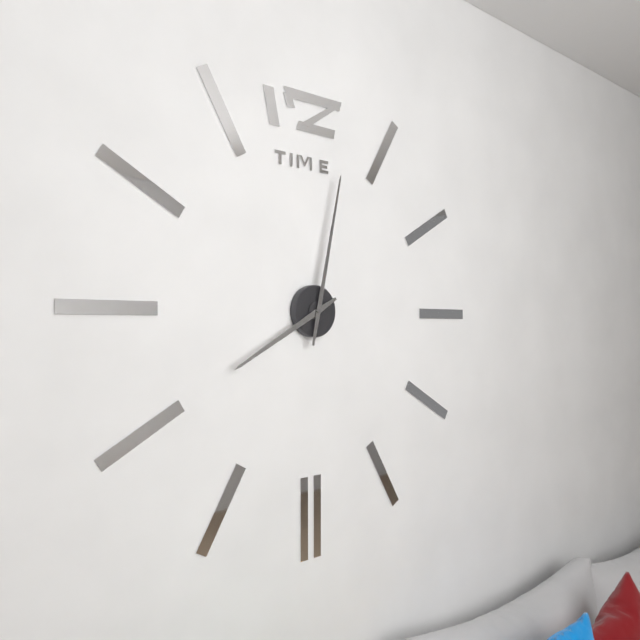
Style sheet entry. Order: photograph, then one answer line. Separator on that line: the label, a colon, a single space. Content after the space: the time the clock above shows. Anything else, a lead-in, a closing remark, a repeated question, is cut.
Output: 8:02
